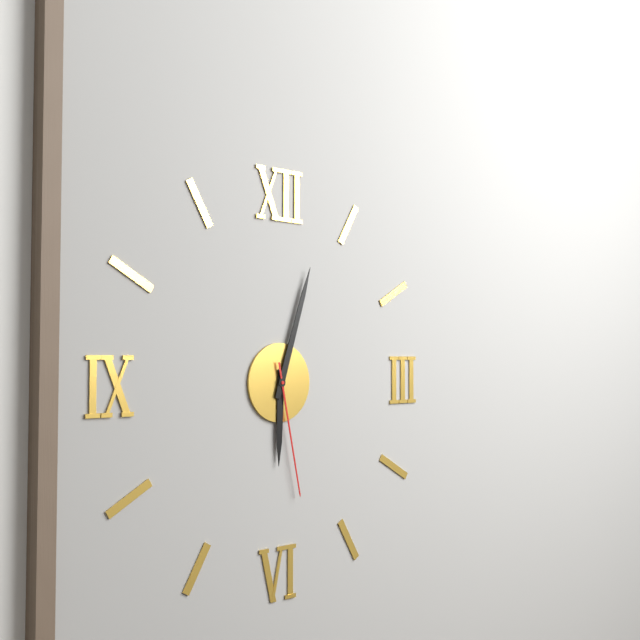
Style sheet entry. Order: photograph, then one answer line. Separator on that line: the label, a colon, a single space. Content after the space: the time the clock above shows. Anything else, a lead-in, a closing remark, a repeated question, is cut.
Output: 6:03:28
